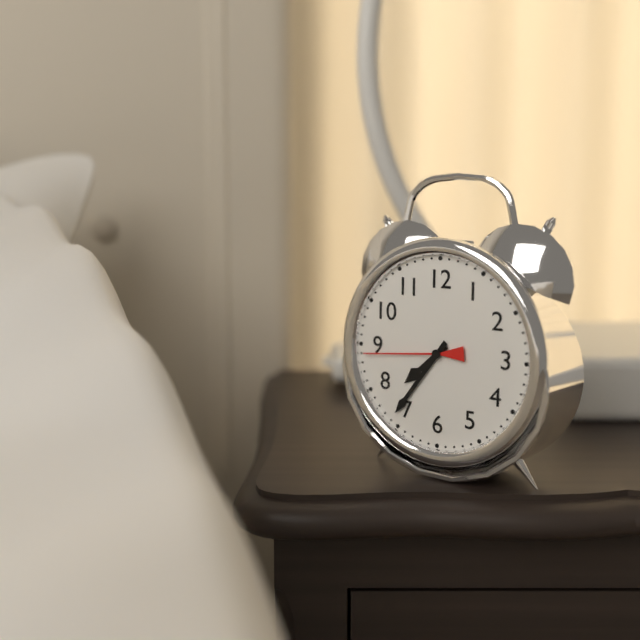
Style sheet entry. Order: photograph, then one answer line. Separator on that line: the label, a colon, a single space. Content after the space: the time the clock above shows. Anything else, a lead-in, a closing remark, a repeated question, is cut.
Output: 7:36:44
